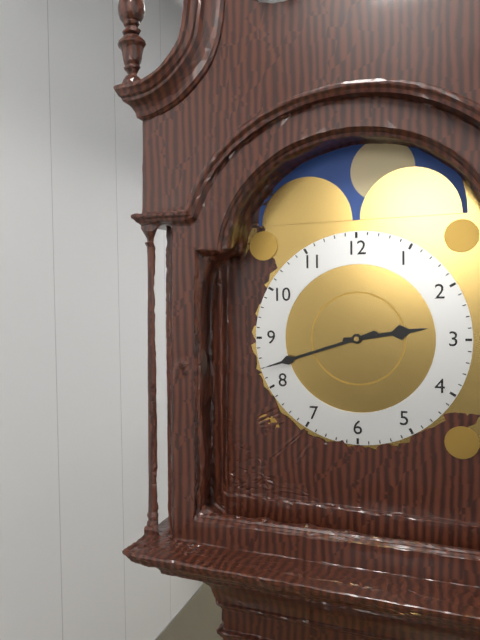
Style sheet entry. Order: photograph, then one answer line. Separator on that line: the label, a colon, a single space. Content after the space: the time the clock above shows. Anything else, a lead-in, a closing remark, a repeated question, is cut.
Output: 2:42
